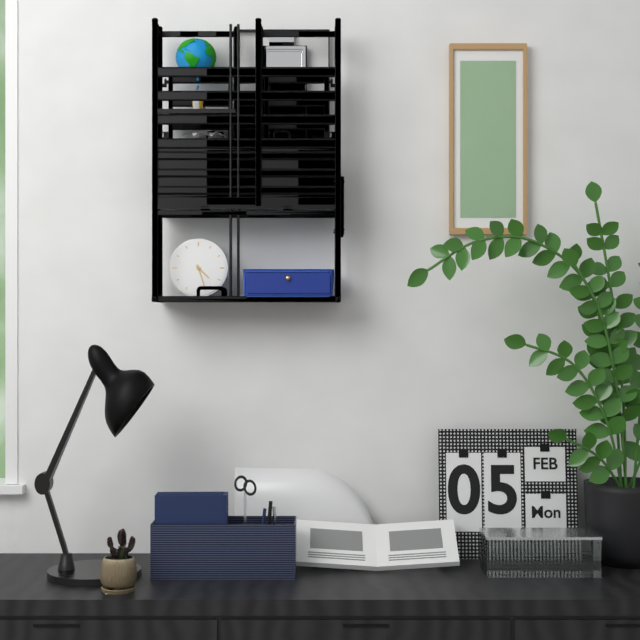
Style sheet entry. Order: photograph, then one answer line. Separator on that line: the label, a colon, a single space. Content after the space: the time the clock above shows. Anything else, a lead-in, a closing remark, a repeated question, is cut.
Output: 4:27
